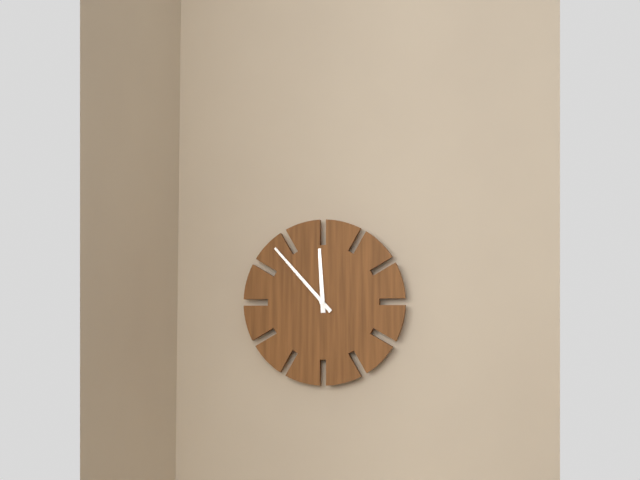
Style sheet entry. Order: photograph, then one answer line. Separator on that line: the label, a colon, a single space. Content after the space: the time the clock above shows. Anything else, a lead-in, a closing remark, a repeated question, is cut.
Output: 11:53
